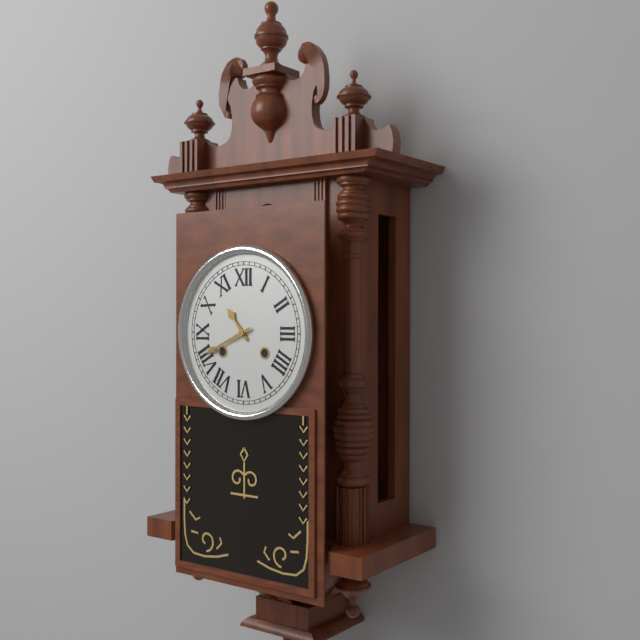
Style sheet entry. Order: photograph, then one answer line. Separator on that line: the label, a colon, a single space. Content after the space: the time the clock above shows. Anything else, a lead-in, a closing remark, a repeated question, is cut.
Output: 10:41
